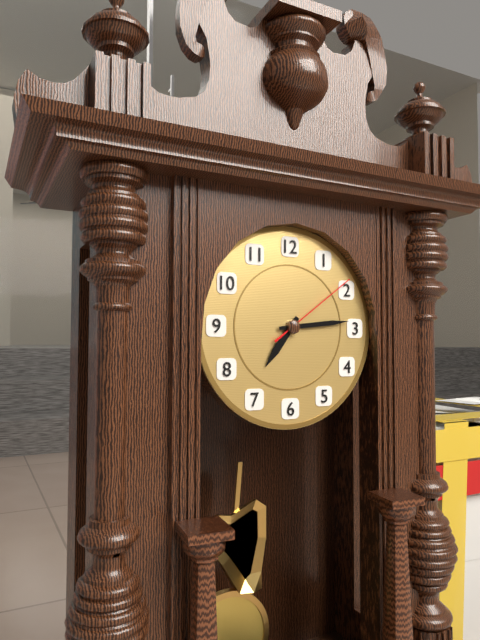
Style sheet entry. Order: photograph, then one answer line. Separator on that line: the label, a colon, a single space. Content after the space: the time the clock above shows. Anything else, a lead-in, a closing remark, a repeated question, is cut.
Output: 7:14:09
